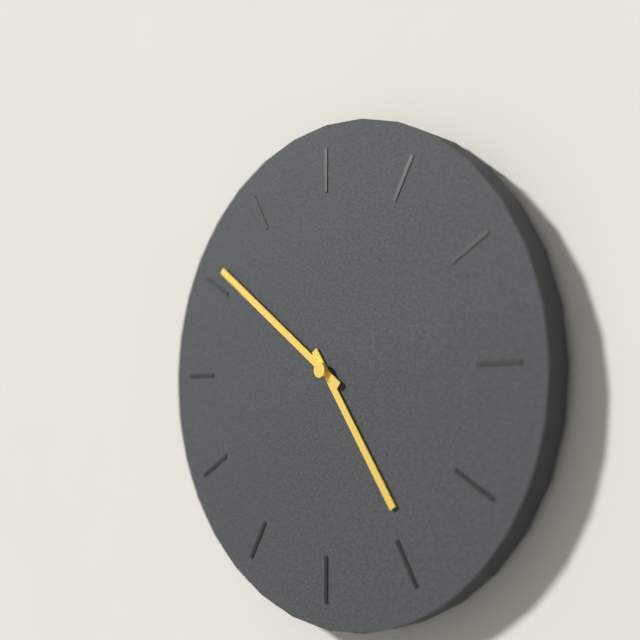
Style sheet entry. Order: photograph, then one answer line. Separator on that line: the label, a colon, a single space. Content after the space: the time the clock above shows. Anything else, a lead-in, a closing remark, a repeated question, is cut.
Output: 4:51
